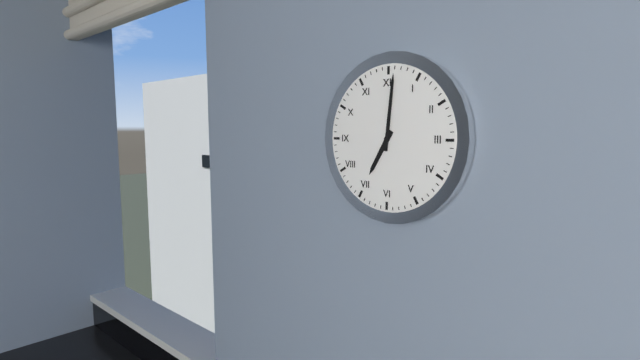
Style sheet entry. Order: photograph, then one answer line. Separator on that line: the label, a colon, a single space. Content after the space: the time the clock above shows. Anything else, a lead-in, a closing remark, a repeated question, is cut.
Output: 7:01
